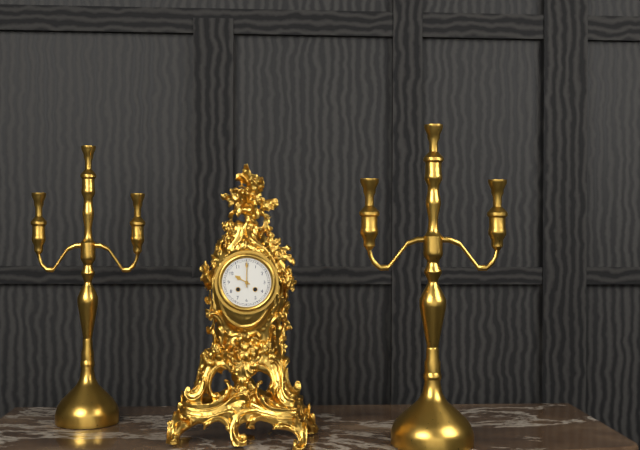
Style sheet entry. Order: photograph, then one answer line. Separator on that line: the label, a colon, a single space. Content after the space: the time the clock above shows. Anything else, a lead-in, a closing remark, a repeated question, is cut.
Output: 10:00
